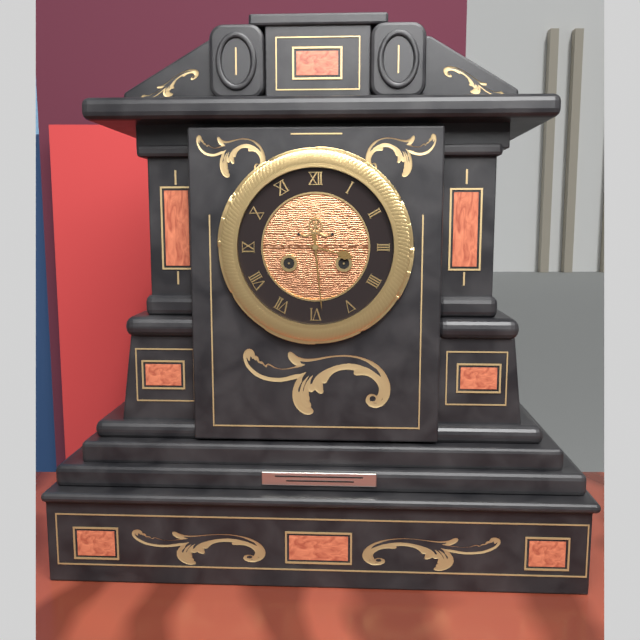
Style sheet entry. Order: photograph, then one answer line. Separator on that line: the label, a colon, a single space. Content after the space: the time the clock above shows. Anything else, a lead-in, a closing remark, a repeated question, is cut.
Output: 3:29
